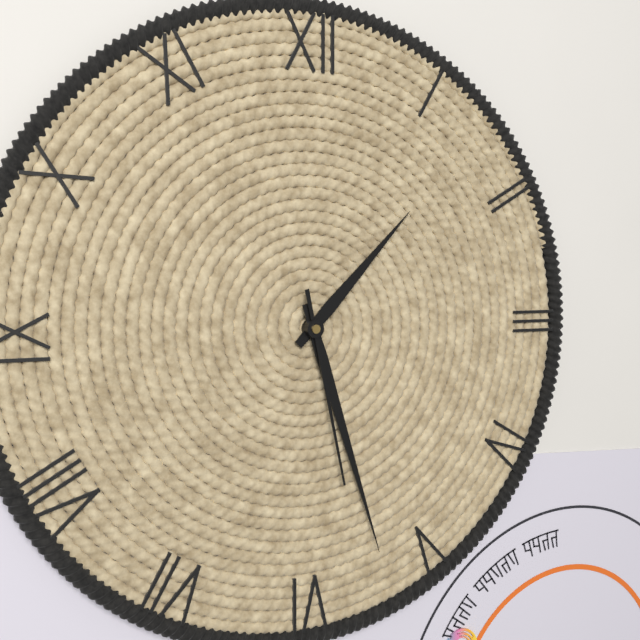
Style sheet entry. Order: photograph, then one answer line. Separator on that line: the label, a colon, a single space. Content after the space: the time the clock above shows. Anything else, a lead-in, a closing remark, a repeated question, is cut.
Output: 1:27:28
